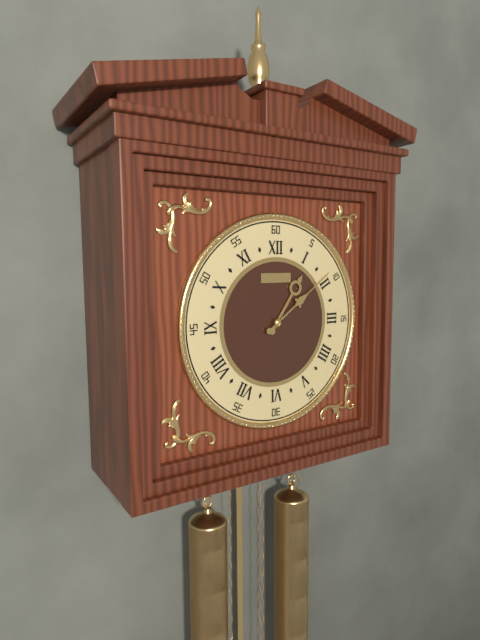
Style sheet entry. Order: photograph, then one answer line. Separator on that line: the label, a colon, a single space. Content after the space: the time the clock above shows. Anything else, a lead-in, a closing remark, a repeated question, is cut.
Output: 1:09
